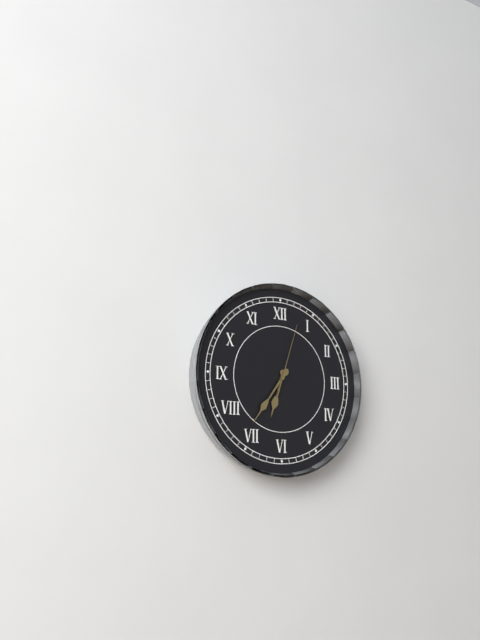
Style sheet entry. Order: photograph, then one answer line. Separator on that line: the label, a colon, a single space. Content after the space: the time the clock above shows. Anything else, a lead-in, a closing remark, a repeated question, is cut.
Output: 6:36:03
